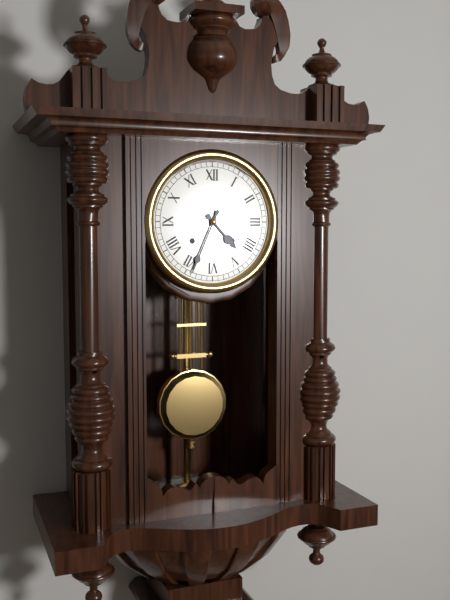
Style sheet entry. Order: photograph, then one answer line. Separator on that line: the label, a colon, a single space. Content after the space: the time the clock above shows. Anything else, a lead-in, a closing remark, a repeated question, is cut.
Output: 4:34
